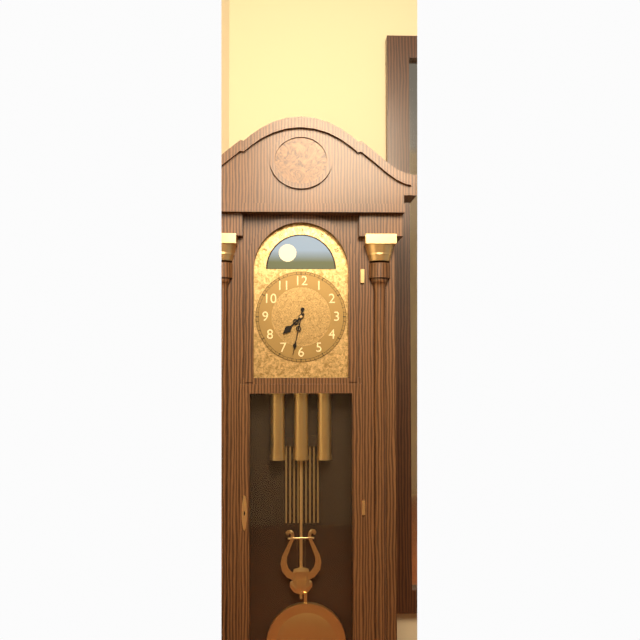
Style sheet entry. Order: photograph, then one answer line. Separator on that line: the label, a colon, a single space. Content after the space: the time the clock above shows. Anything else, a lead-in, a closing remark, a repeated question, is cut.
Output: 7:32
